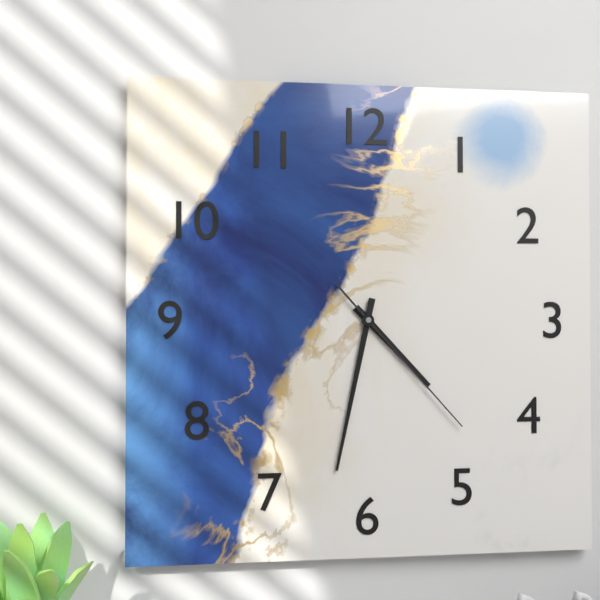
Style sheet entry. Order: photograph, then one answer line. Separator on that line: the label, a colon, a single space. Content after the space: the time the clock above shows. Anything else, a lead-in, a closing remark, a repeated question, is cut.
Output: 4:32:23
